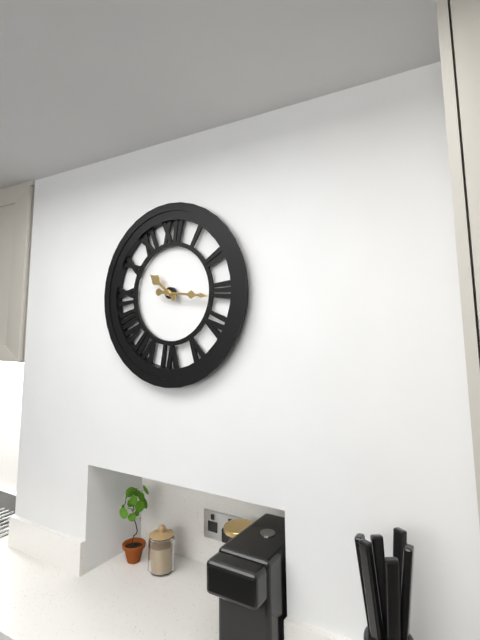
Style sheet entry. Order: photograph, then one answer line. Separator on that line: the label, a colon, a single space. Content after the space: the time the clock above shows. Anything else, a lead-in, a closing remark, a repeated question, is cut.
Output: 10:16
